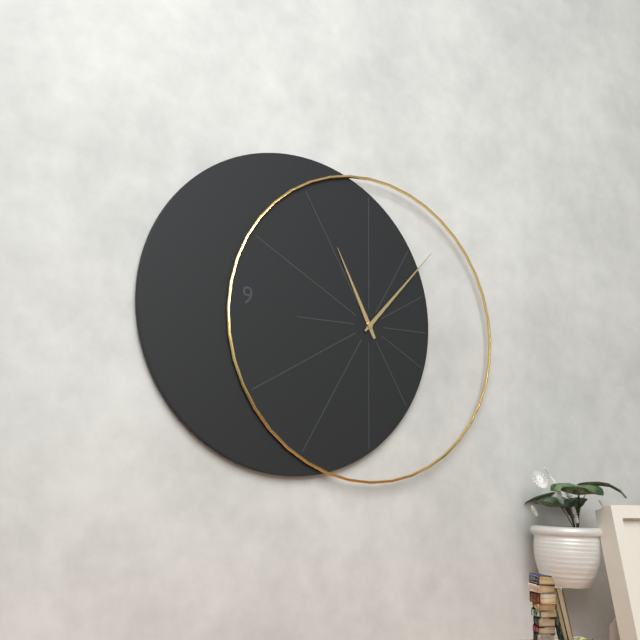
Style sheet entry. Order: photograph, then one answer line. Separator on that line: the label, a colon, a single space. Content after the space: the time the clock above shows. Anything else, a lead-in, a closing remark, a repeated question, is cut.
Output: 11:07
